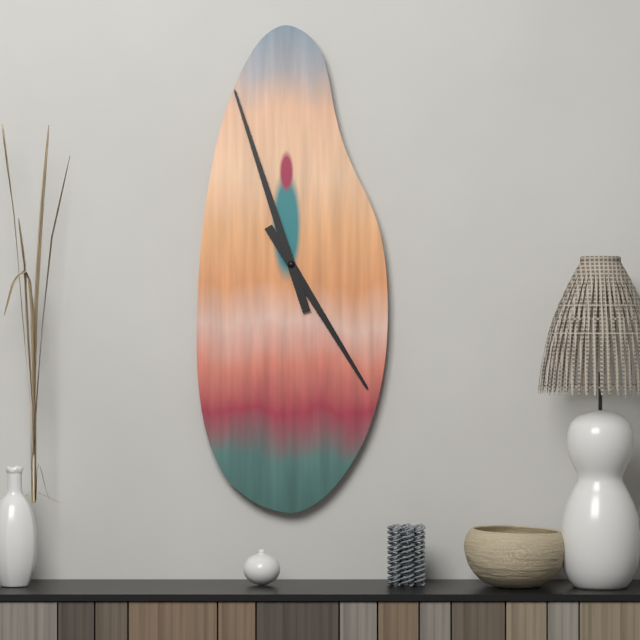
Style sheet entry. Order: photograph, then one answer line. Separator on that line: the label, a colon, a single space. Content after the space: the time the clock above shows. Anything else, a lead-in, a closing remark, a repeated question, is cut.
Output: 4:57
